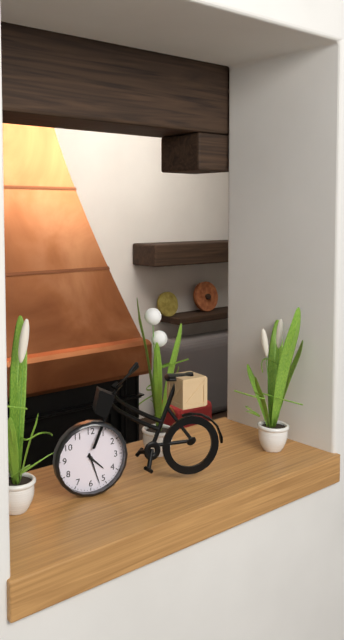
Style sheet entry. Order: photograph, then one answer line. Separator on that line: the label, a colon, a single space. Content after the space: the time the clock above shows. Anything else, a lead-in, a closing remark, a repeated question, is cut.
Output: 4:27
